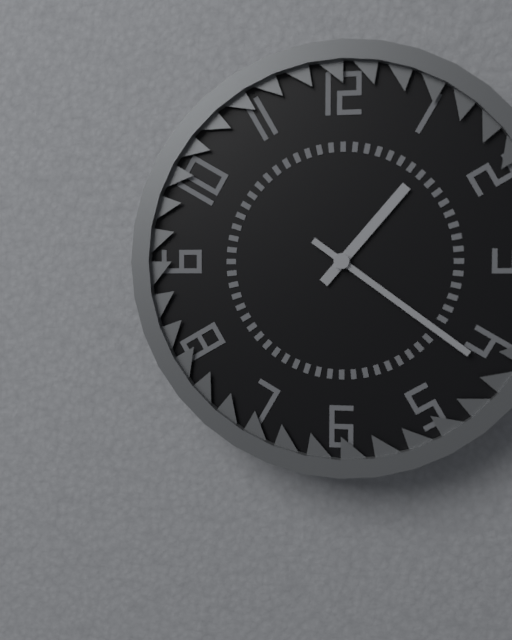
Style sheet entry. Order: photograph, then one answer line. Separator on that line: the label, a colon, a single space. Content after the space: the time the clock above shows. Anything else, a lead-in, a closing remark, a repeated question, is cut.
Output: 1:21
